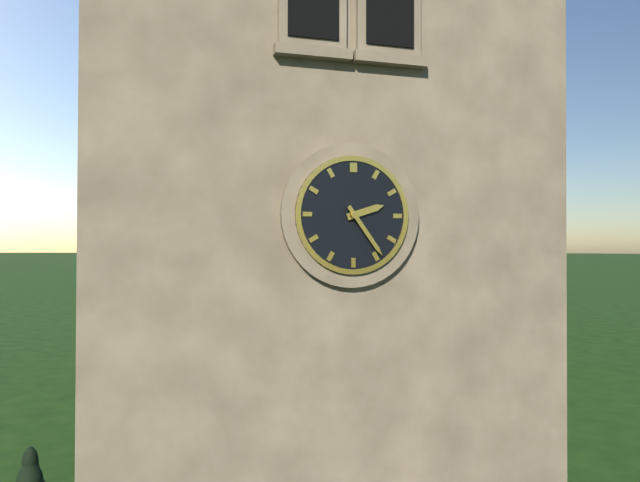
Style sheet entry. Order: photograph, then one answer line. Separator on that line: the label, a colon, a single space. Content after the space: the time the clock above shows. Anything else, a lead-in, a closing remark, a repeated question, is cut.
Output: 2:24
